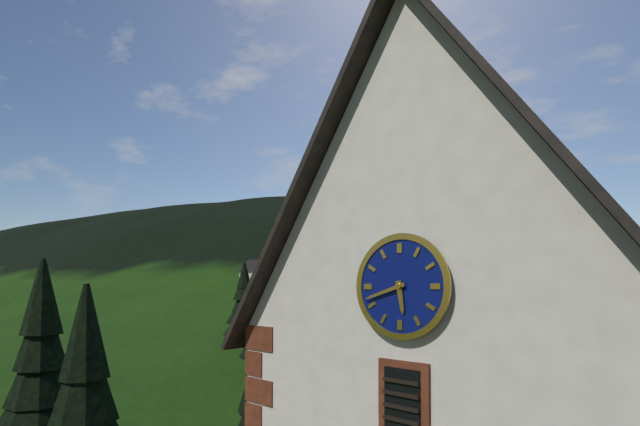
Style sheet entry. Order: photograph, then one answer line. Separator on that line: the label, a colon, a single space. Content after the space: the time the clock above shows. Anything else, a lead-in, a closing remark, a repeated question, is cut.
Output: 5:42
